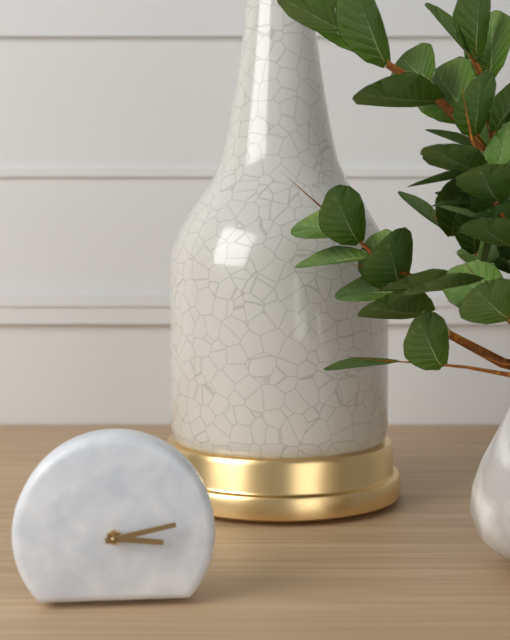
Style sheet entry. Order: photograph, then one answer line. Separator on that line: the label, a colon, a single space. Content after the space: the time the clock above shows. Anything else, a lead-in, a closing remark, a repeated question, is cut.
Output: 3:13
